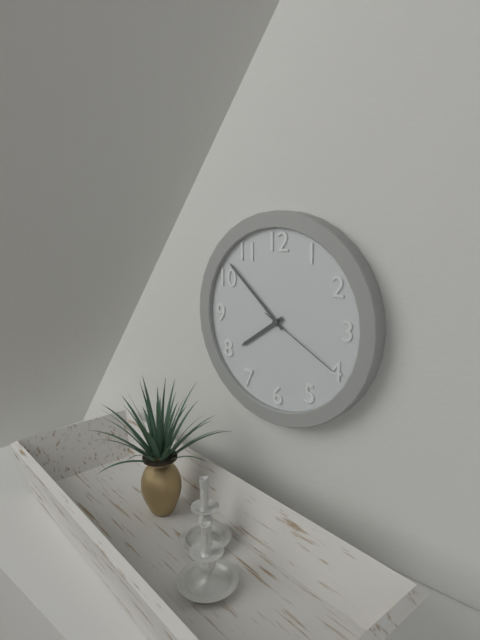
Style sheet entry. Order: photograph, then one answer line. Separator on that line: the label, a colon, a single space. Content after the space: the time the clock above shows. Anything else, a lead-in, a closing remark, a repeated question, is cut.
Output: 7:52:20
